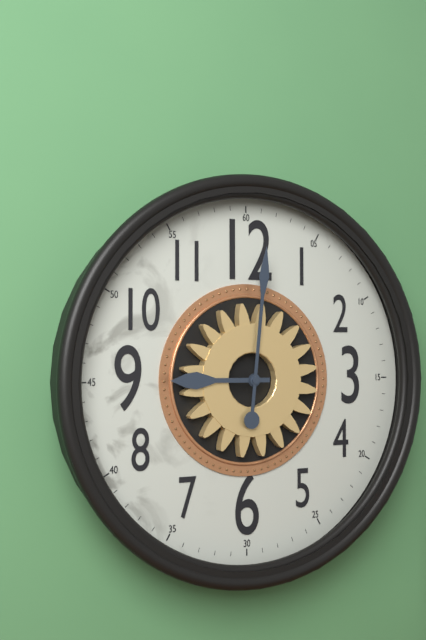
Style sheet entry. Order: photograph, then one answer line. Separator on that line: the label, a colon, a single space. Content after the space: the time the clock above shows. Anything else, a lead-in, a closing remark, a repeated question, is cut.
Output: 9:01
